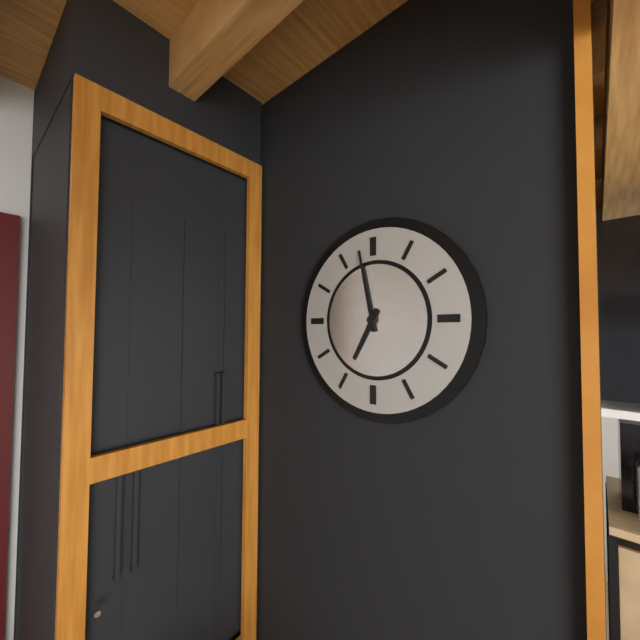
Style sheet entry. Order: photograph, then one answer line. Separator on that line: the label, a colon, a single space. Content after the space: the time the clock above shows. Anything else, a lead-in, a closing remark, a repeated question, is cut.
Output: 6:58
